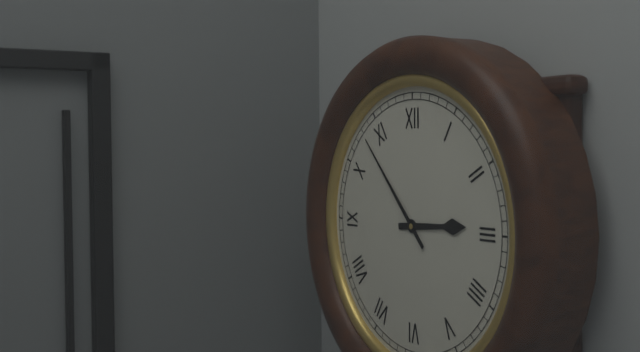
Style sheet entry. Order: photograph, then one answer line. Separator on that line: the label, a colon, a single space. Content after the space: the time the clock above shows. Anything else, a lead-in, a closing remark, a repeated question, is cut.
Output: 2:53
